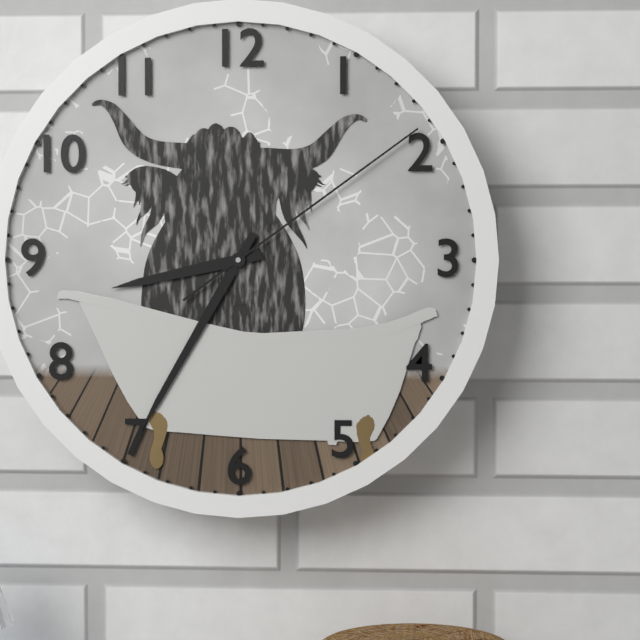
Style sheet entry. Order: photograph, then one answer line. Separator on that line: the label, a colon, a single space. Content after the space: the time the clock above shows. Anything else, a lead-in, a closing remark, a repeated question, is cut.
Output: 8:35:09
